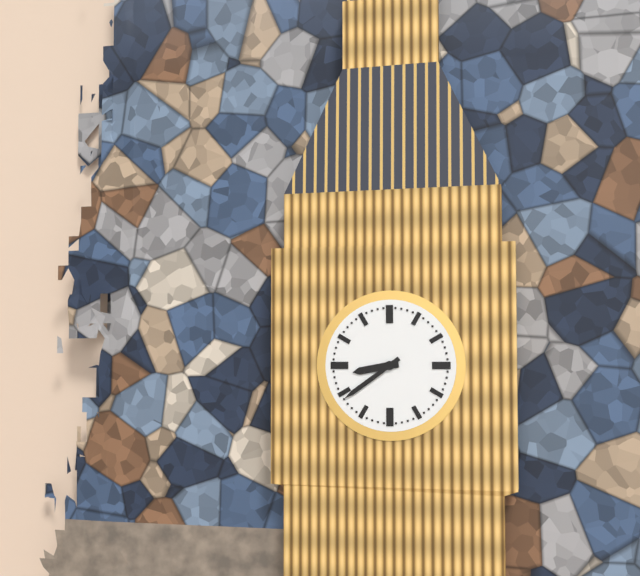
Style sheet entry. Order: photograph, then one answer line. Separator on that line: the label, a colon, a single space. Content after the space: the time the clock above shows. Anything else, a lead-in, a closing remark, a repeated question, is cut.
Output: 8:39
